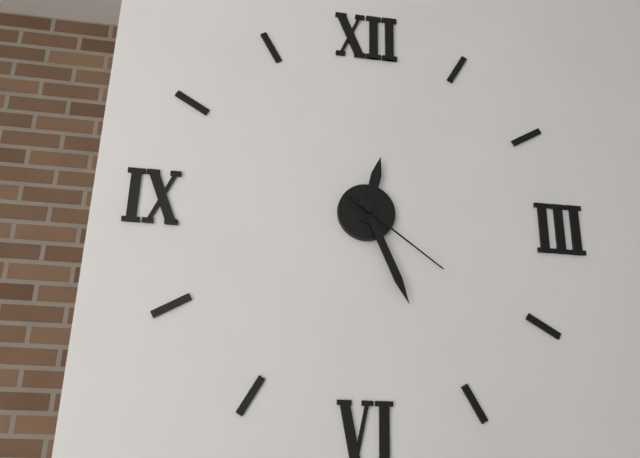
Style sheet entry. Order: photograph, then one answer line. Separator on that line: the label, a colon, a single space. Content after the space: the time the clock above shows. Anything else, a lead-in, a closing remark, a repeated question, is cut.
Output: 12:26:21
